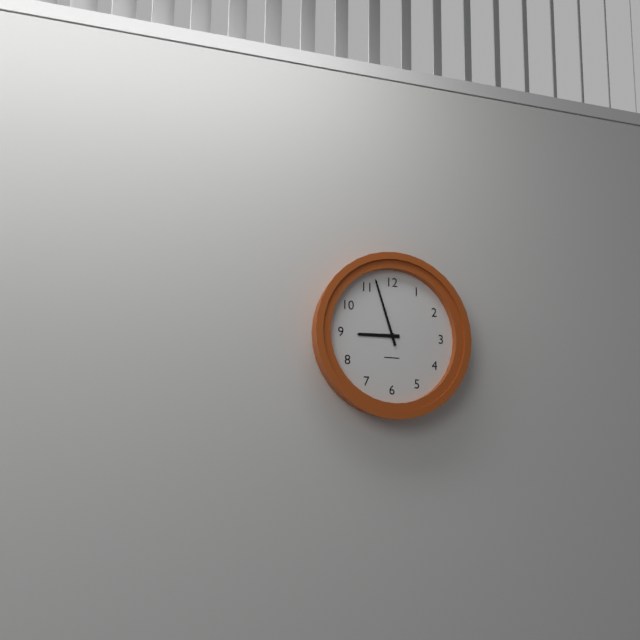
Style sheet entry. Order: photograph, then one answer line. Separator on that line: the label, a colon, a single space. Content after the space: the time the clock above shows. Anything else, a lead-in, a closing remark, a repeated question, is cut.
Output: 8:57
